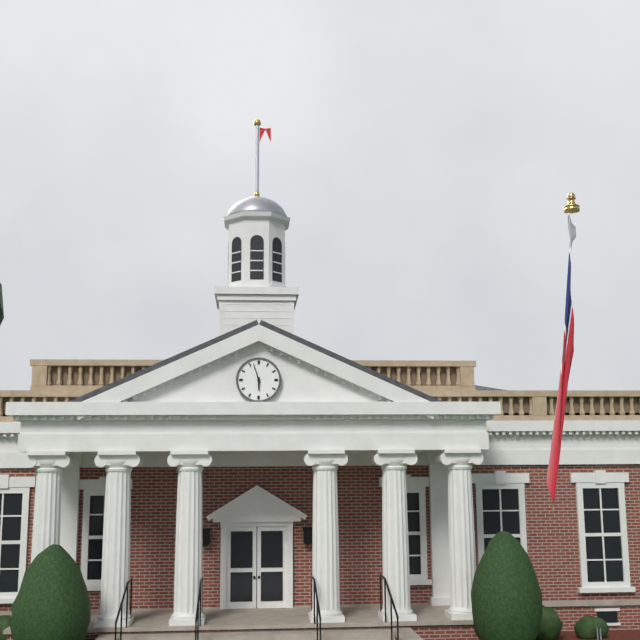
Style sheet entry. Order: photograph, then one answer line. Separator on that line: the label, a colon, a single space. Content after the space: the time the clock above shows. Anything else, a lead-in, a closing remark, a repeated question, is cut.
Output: 5:57
